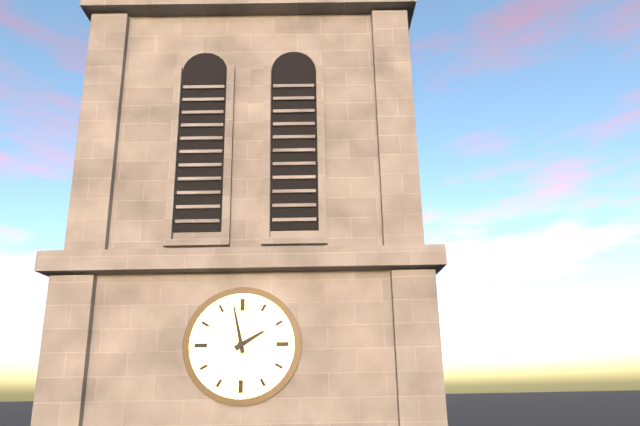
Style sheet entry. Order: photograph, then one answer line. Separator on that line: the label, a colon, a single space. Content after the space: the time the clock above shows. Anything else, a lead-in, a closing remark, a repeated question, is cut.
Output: 1:58
